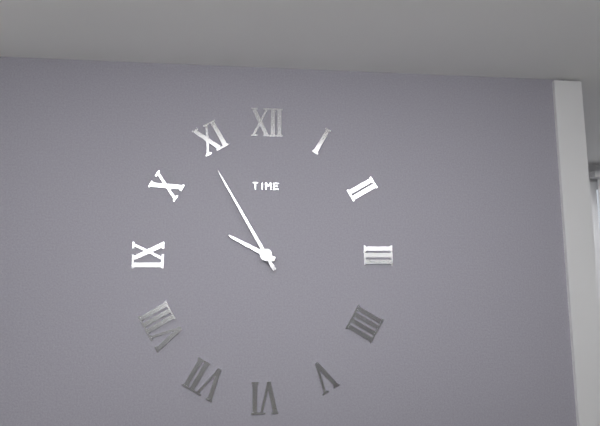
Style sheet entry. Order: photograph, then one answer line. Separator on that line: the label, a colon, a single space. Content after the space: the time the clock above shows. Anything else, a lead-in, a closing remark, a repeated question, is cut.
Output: 9:55
